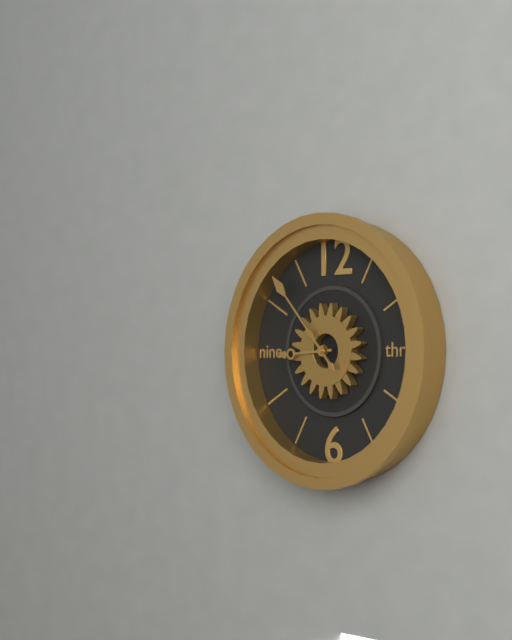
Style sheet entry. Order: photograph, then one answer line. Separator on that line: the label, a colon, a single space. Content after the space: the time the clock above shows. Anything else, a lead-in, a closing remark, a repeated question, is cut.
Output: 8:53
